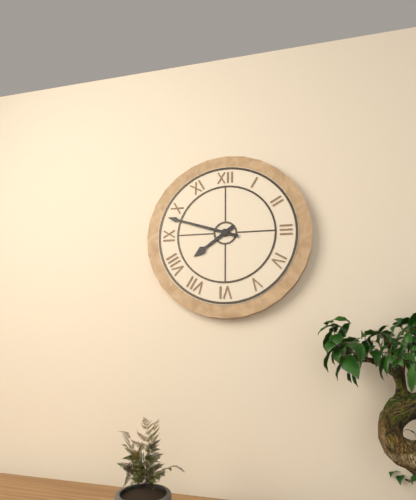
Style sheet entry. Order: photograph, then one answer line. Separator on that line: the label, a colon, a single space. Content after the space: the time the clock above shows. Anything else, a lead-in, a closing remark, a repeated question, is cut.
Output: 7:48
